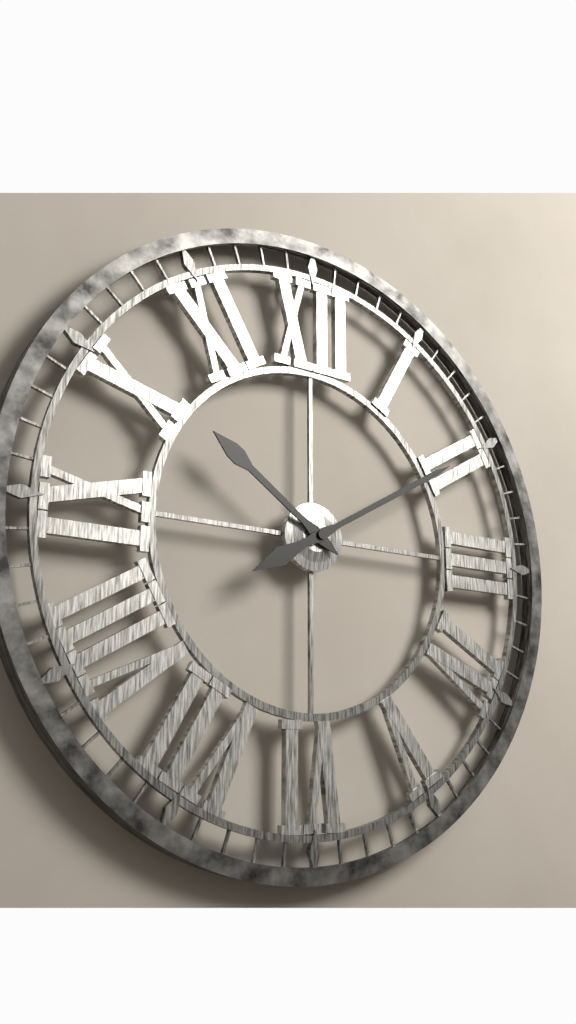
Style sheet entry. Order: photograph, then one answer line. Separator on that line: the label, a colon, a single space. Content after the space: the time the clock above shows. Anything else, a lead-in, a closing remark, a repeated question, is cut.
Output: 10:10
